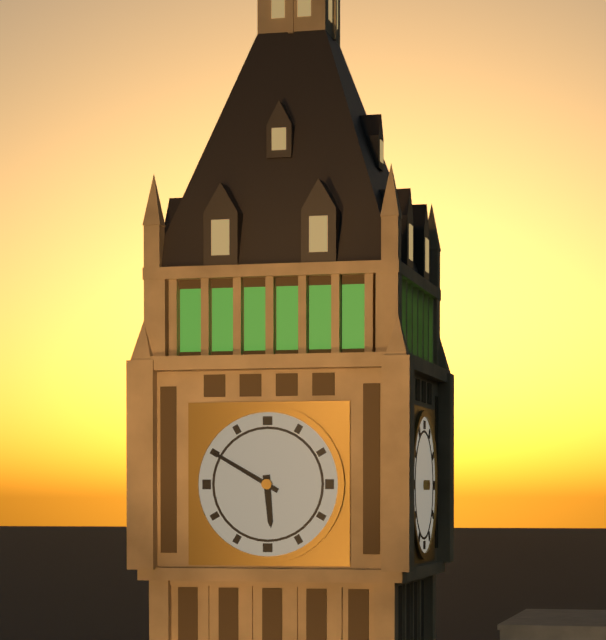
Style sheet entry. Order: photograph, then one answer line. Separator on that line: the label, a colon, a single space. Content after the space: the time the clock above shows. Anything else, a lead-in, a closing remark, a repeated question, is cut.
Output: 5:50
